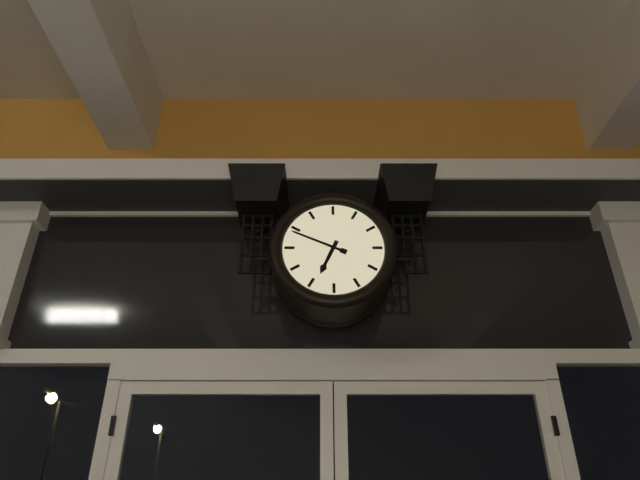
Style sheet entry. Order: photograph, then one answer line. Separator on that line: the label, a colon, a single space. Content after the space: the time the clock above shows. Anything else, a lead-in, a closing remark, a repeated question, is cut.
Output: 6:49
